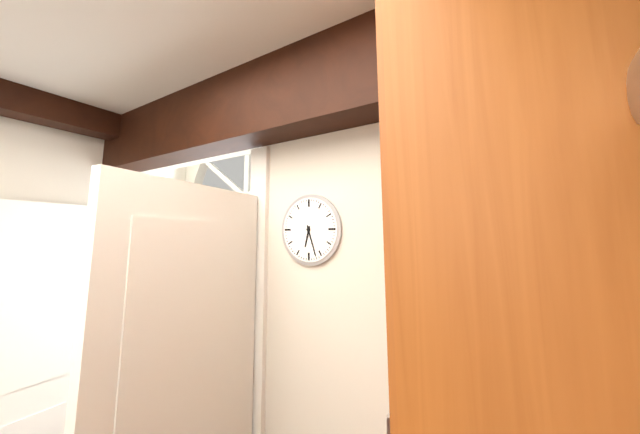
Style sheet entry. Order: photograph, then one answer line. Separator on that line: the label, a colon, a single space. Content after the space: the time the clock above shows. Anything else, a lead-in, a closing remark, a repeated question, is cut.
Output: 6:27
